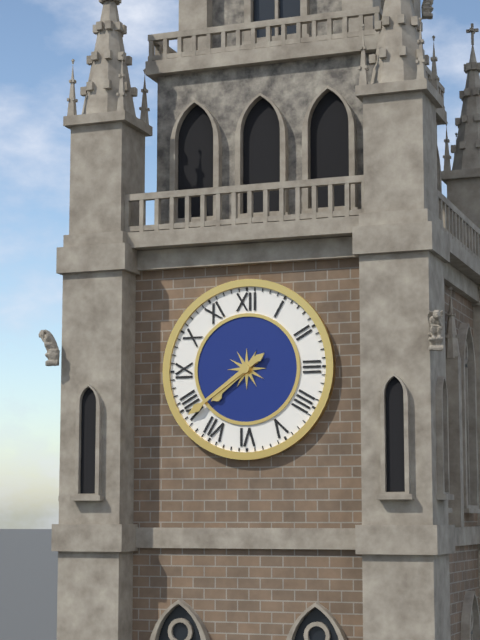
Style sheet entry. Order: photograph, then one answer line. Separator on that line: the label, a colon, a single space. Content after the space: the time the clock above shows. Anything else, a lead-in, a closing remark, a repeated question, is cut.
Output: 7:39
